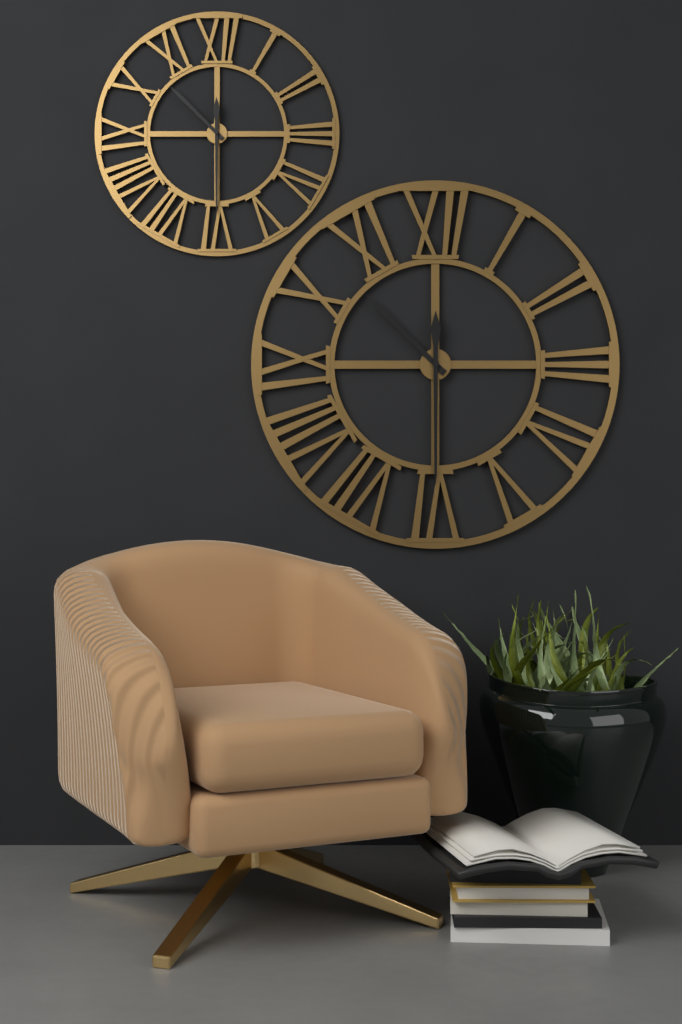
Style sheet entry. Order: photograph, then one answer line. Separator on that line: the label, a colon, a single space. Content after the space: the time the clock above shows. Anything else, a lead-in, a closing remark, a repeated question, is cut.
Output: 10:30
